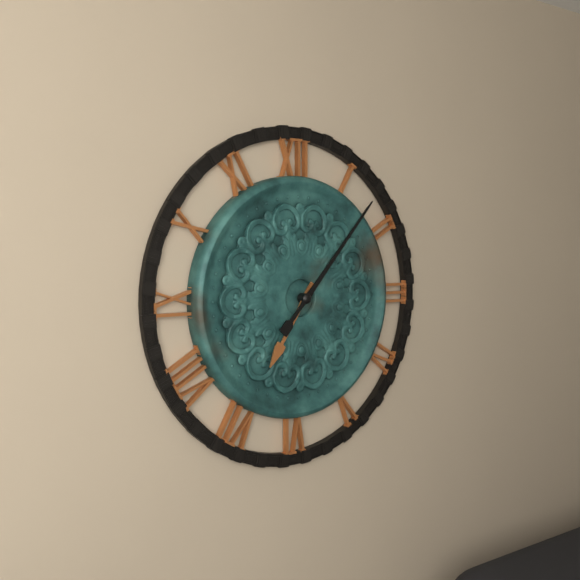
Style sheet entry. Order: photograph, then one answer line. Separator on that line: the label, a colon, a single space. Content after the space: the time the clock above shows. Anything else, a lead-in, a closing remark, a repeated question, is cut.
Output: 7:07
